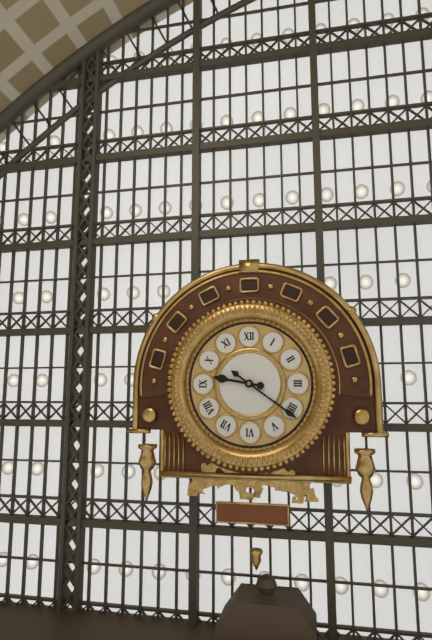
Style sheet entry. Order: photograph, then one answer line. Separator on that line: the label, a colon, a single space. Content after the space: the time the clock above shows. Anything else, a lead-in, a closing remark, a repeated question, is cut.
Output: 9:21
